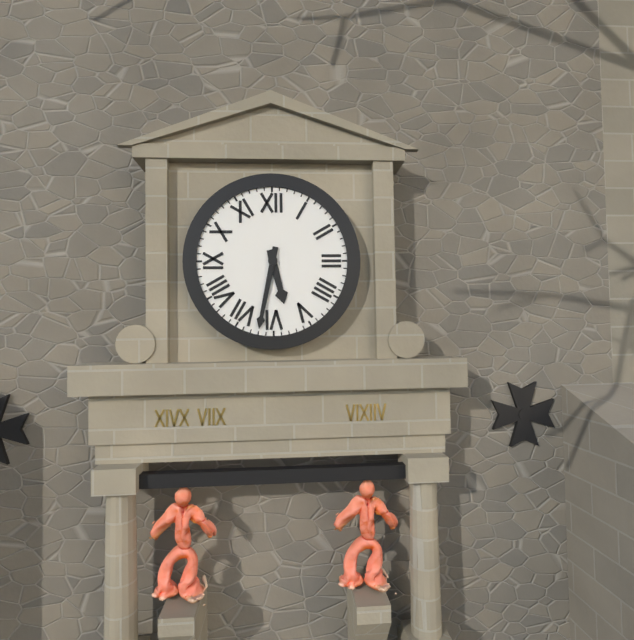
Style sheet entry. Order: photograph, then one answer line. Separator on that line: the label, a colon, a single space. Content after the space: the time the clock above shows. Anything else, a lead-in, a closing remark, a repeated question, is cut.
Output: 5:32
